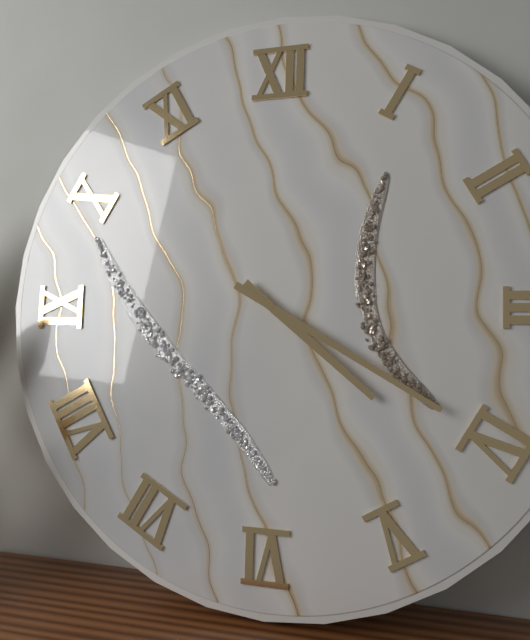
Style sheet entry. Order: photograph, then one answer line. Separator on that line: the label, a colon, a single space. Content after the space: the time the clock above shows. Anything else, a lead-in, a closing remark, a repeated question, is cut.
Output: 4:20
